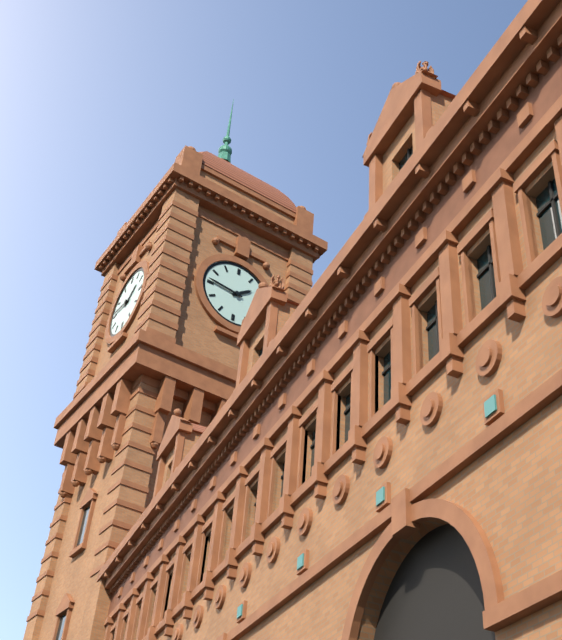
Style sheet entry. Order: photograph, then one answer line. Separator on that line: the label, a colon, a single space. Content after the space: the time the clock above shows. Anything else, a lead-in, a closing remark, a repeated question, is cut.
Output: 1:46
